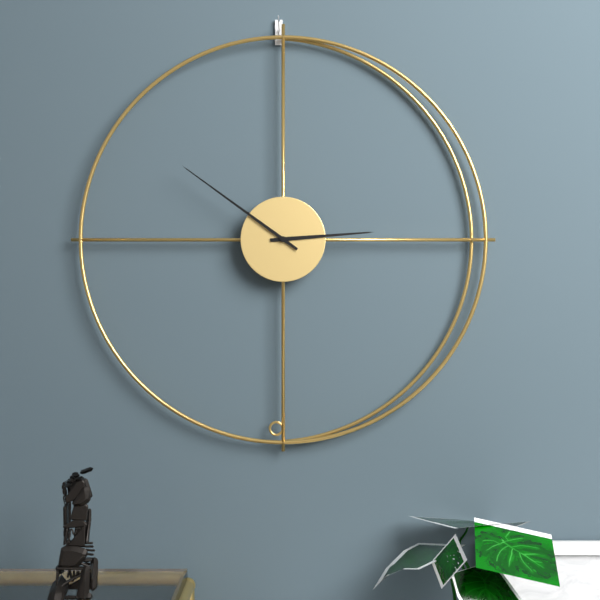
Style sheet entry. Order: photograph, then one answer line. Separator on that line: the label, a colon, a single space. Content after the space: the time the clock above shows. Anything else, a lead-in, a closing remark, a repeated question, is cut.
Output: 2:51
